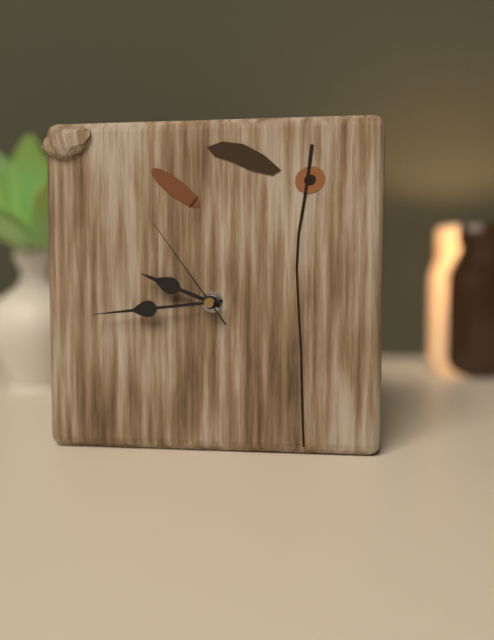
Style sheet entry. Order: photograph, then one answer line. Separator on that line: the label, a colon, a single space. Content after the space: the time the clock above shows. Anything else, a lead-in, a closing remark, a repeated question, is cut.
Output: 9:44:54
